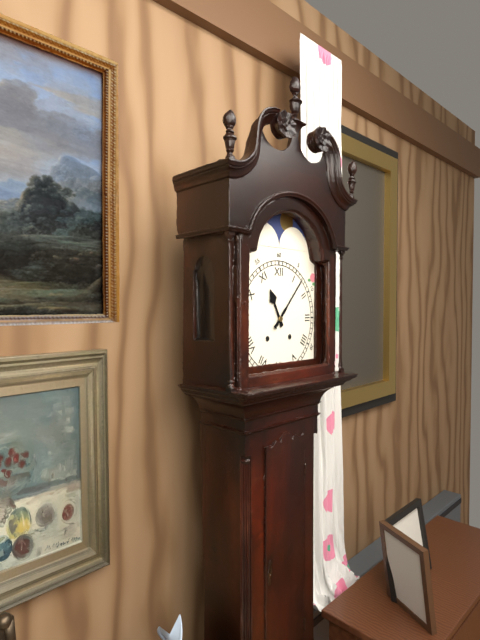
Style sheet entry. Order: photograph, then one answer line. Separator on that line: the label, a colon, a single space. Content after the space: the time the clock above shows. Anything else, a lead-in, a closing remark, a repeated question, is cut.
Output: 11:07
